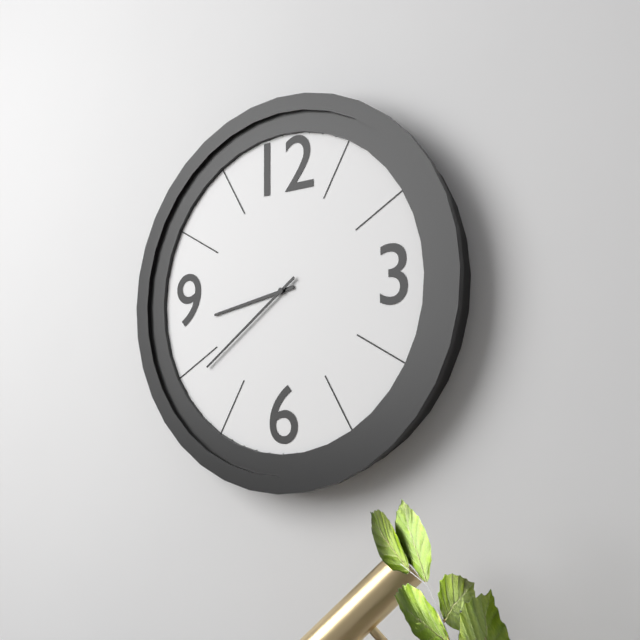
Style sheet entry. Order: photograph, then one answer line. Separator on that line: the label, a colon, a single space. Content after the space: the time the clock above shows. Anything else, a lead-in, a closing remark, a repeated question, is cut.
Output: 8:39
